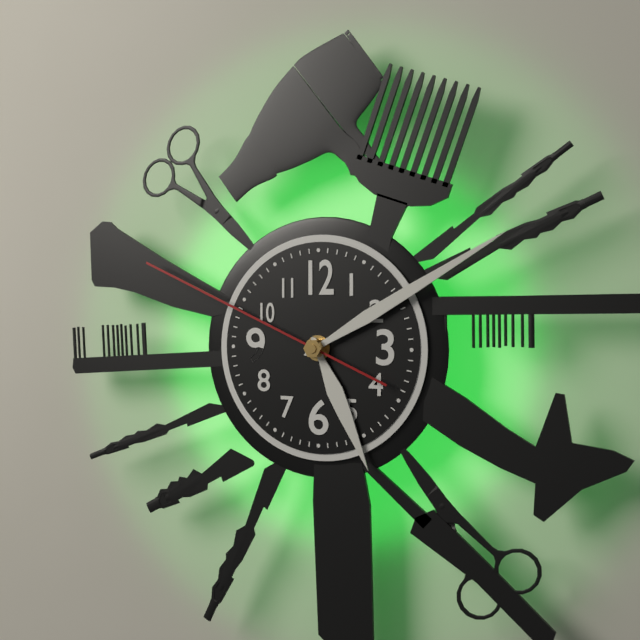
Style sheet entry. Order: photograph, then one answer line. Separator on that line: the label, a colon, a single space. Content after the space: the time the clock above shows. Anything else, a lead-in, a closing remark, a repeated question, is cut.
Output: 5:10:49
